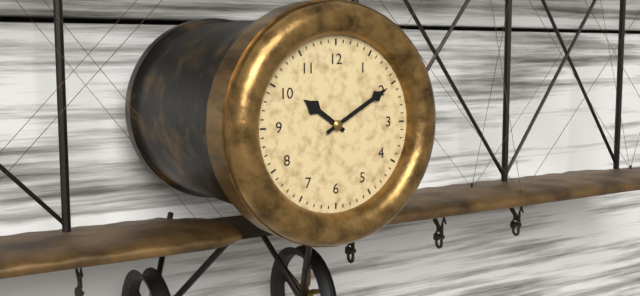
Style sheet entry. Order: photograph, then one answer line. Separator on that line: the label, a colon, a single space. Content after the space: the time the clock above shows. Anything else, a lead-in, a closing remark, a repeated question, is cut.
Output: 10:10
